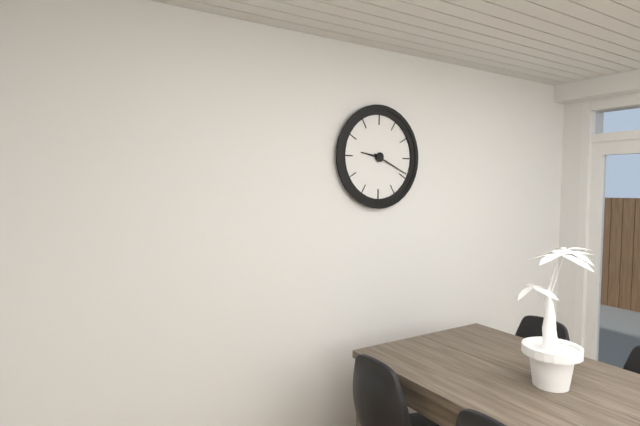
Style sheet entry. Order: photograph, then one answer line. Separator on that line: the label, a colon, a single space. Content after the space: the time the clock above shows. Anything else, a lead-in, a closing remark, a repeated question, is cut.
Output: 9:19
